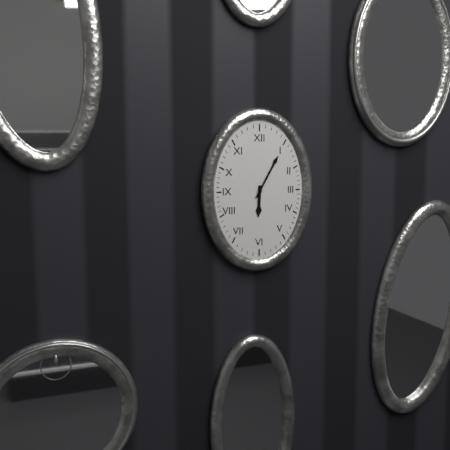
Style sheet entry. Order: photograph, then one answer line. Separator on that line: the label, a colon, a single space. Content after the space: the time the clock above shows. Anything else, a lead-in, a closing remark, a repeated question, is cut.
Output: 6:05
